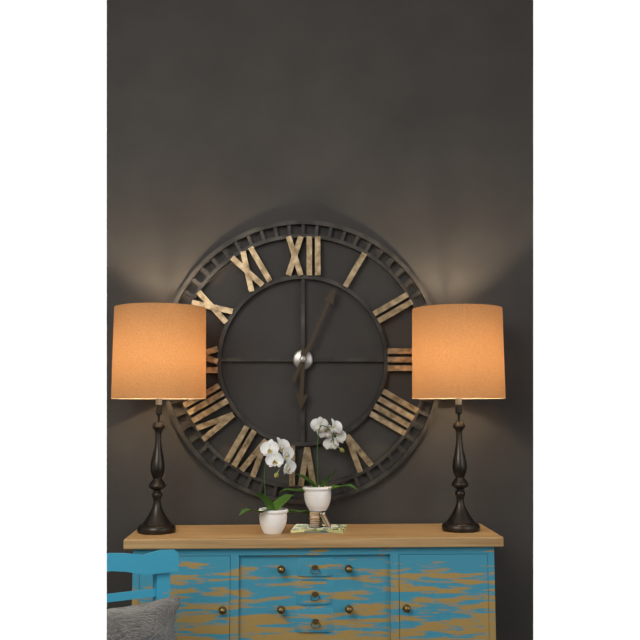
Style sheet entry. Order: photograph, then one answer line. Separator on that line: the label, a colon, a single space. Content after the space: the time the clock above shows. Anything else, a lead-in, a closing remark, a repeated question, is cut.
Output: 6:04
